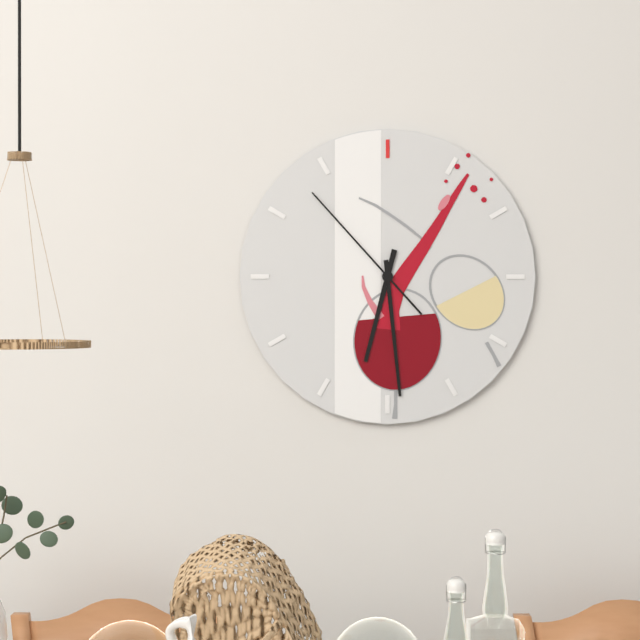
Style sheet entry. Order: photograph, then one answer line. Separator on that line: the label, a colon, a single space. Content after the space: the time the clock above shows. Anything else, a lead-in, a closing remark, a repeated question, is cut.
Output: 6:29:53
